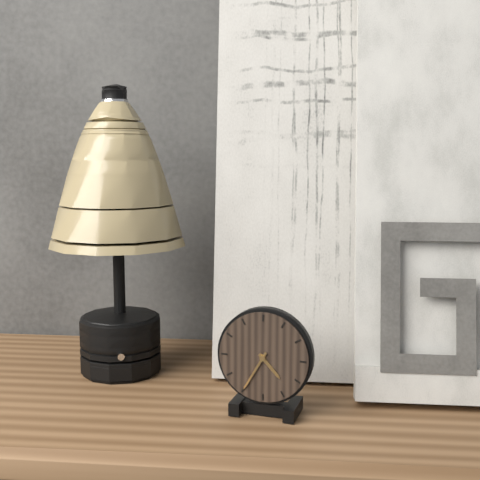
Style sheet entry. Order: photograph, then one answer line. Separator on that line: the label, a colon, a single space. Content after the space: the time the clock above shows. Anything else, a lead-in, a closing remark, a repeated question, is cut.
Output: 4:35
